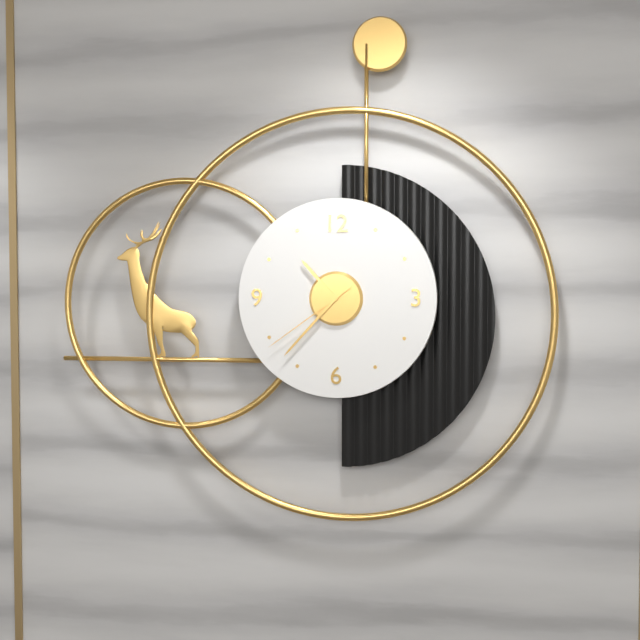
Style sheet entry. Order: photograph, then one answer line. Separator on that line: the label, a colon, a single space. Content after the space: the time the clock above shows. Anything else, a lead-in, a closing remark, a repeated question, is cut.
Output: 10:37:39
